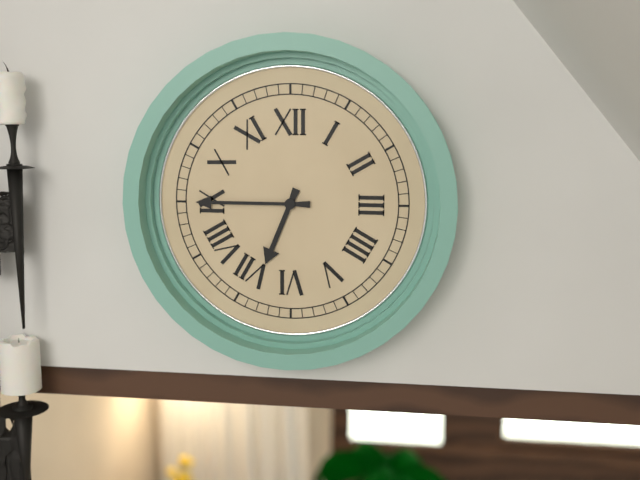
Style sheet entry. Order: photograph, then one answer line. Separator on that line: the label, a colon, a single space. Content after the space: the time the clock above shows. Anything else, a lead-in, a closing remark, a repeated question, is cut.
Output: 6:45
